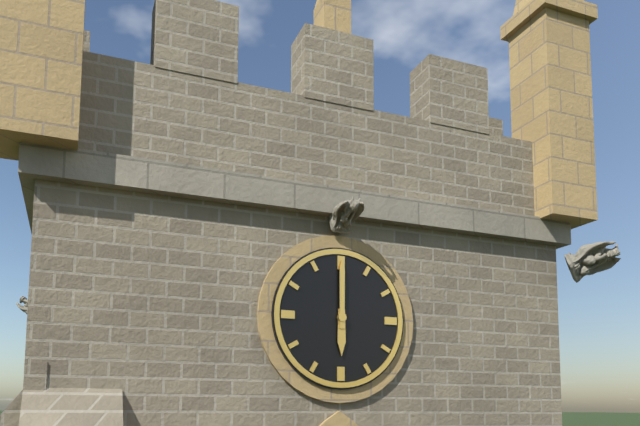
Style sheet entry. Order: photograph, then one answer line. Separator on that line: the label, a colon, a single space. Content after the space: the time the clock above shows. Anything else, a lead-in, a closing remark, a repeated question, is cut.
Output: 6:00
